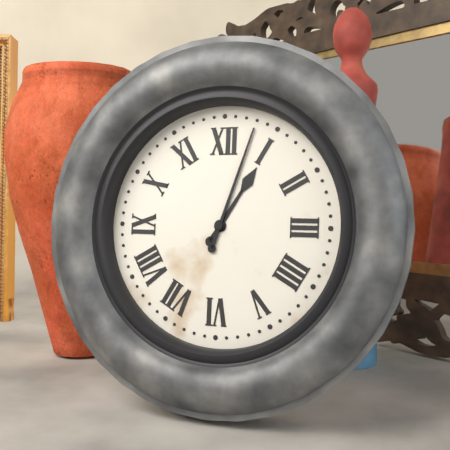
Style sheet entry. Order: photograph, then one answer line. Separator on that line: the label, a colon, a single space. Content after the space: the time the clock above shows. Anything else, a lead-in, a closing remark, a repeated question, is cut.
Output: 1:03
